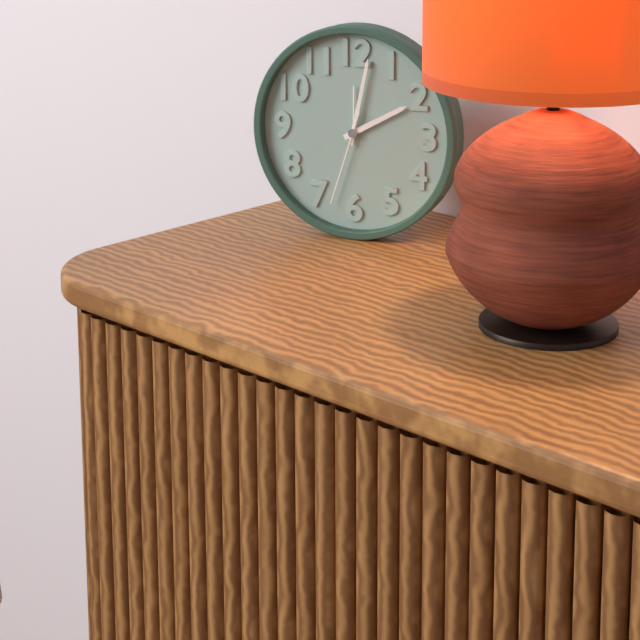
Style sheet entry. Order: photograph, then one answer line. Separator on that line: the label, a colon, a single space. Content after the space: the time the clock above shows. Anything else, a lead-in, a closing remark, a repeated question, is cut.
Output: 2:02:33
